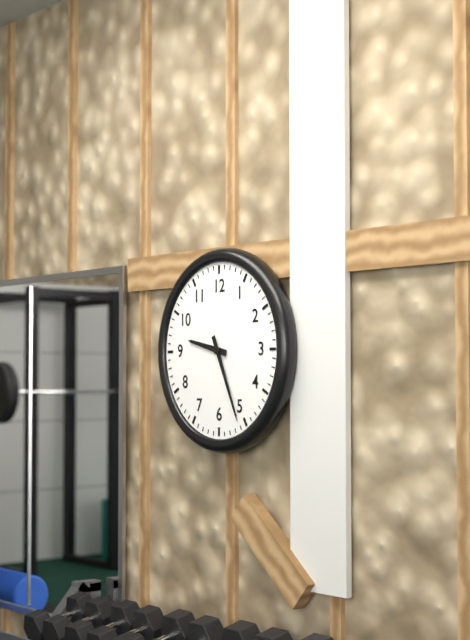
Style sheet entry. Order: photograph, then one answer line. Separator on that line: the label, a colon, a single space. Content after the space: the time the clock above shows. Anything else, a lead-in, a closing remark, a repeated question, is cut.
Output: 9:26
